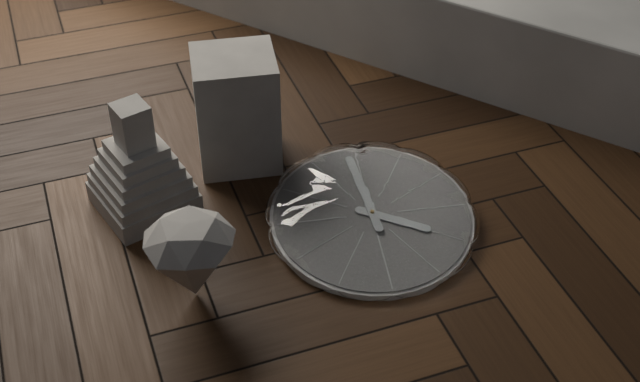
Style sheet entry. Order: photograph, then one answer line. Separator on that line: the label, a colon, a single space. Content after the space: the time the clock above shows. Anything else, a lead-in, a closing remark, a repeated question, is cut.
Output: 3:59
